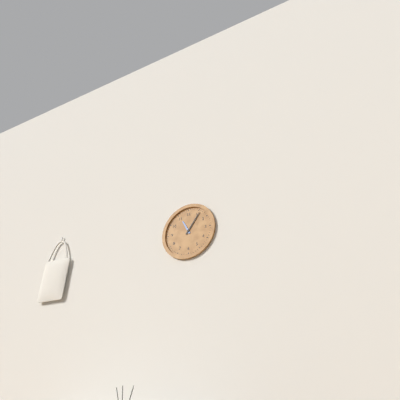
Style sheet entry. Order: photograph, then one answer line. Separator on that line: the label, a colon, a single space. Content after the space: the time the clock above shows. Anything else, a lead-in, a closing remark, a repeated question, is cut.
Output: 11:06
